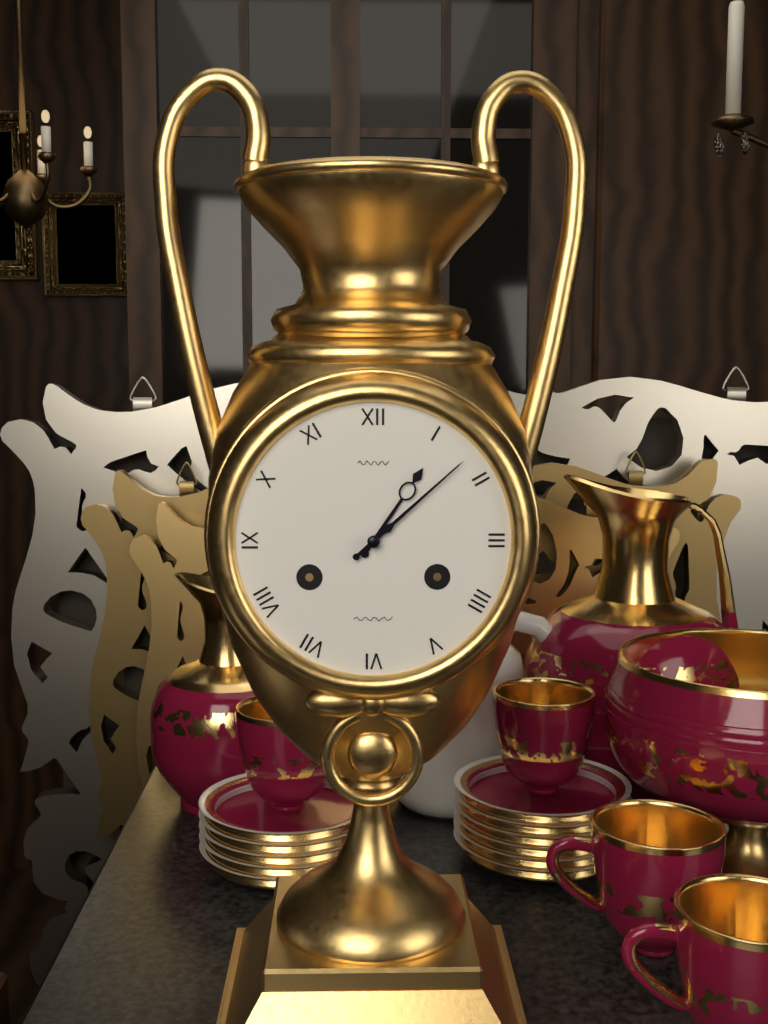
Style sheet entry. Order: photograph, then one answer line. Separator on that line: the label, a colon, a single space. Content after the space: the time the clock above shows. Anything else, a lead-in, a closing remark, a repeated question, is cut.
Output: 1:08
